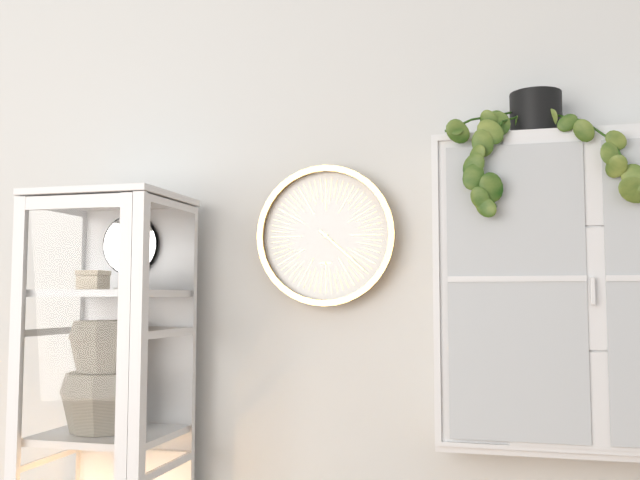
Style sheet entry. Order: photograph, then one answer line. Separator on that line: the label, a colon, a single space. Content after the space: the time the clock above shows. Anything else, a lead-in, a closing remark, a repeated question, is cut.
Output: 4:22
